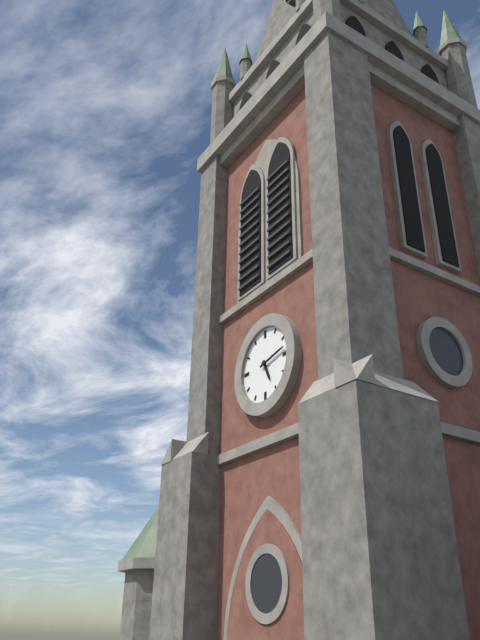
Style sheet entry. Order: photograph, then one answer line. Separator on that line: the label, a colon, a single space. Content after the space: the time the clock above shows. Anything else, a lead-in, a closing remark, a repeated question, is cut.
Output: 5:13
